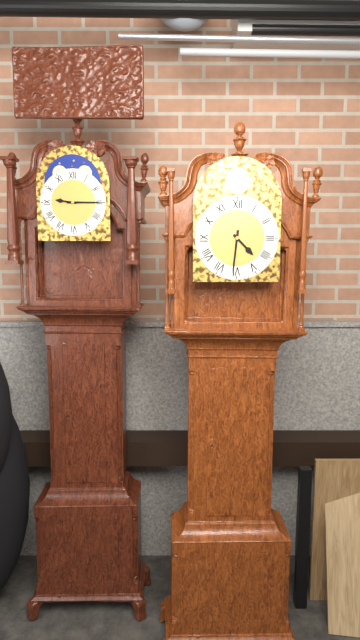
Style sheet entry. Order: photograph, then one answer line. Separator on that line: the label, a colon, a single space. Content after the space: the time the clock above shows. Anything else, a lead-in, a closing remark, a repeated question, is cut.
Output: 4:31
